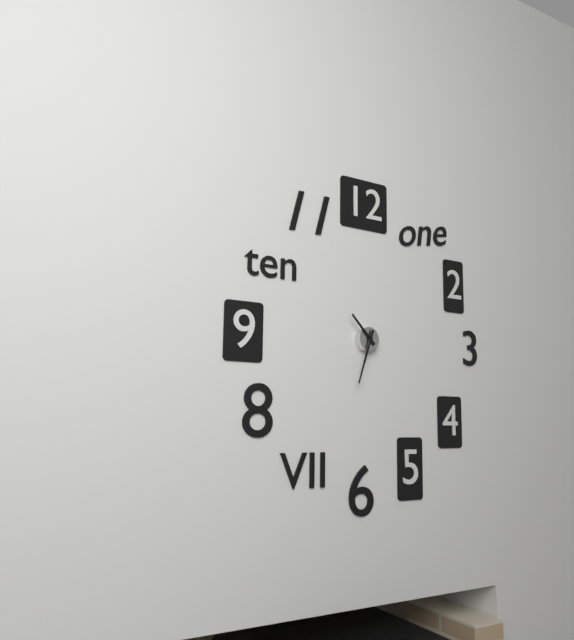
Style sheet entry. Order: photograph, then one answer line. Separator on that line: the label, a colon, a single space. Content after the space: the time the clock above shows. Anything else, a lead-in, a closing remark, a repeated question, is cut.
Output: 10:33
